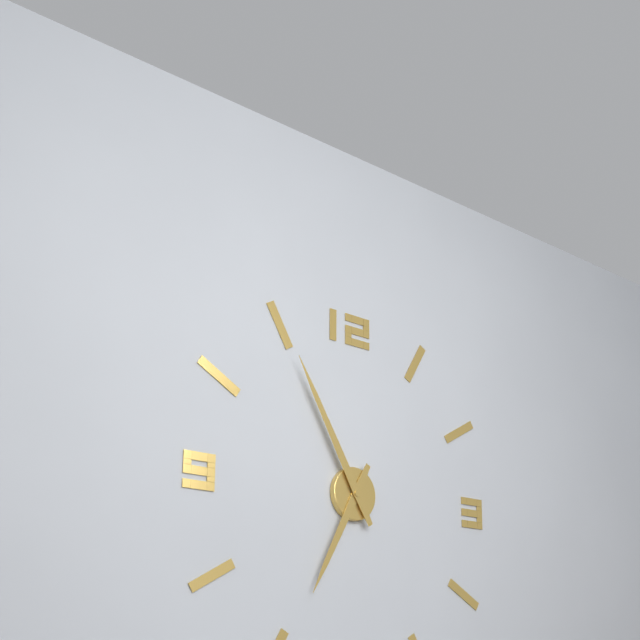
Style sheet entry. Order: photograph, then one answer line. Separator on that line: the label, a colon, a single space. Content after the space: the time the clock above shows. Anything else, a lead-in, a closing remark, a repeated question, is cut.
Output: 6:55
